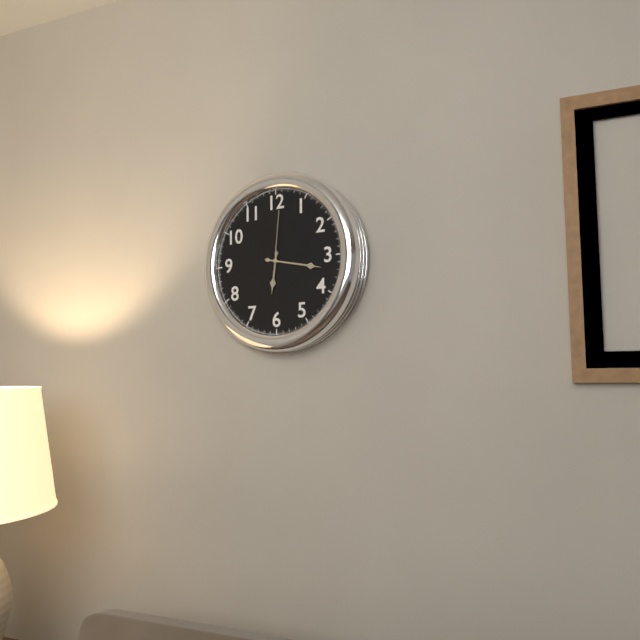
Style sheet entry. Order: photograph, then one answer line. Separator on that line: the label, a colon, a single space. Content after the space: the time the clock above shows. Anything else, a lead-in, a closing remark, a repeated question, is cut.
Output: 6:17:01
